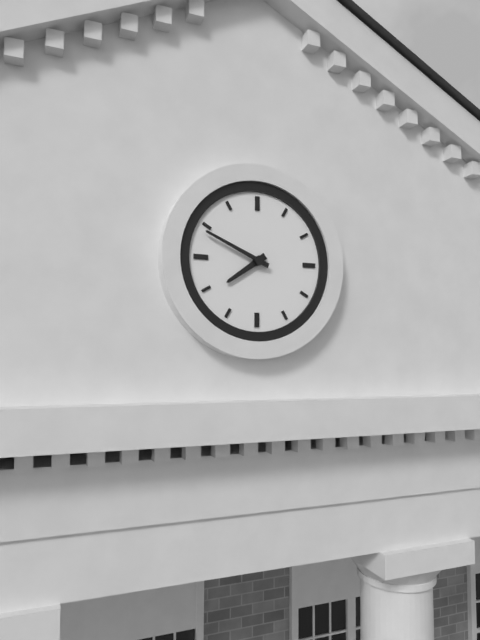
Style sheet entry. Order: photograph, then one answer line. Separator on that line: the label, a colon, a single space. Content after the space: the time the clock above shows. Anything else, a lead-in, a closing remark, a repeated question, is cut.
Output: 7:49
